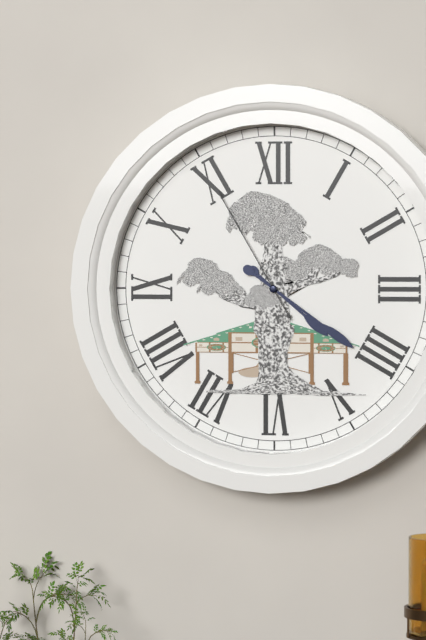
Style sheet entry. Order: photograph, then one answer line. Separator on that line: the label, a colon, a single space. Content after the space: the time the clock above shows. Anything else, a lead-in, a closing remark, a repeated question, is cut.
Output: 4:21:55
